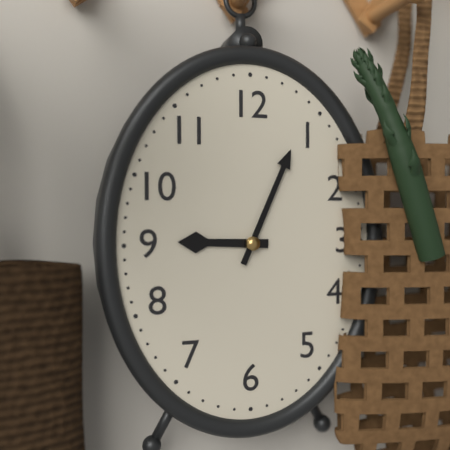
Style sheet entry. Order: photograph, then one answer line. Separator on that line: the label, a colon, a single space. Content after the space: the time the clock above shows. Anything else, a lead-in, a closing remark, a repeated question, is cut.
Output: 9:04
